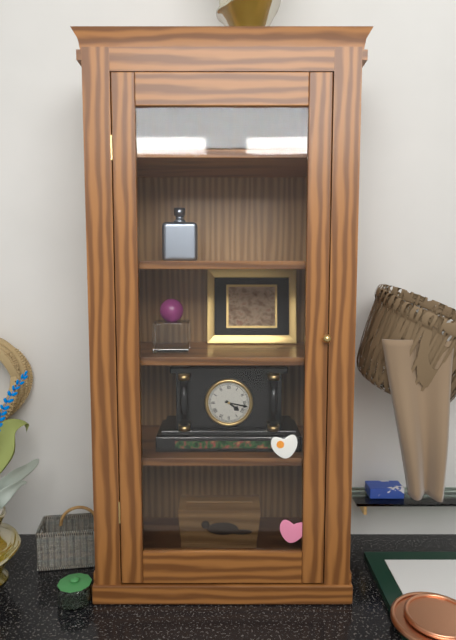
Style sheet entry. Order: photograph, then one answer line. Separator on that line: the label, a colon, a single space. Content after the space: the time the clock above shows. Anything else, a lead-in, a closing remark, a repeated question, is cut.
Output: 4:17
